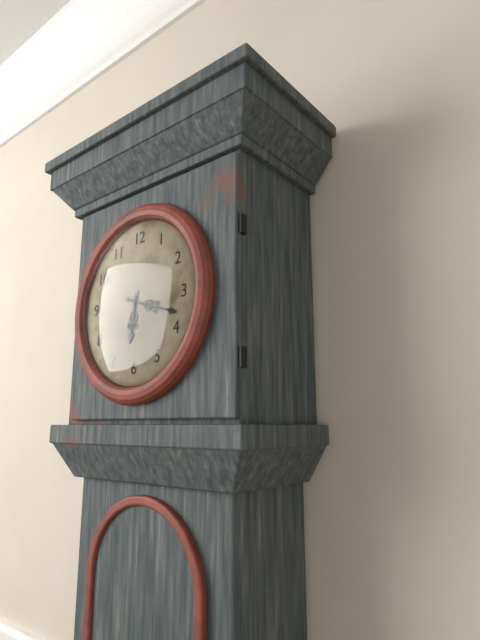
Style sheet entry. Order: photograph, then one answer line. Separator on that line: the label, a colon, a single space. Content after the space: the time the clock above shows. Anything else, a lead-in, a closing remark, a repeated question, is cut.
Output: 6:18
